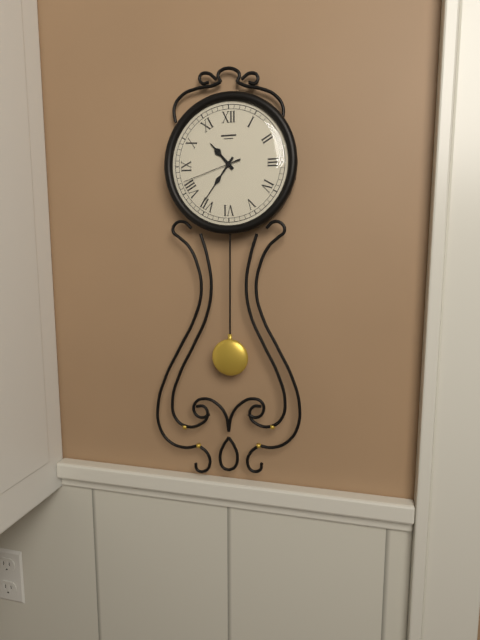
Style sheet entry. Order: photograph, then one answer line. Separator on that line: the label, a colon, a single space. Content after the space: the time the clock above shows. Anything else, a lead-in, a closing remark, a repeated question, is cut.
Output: 10:36:42
